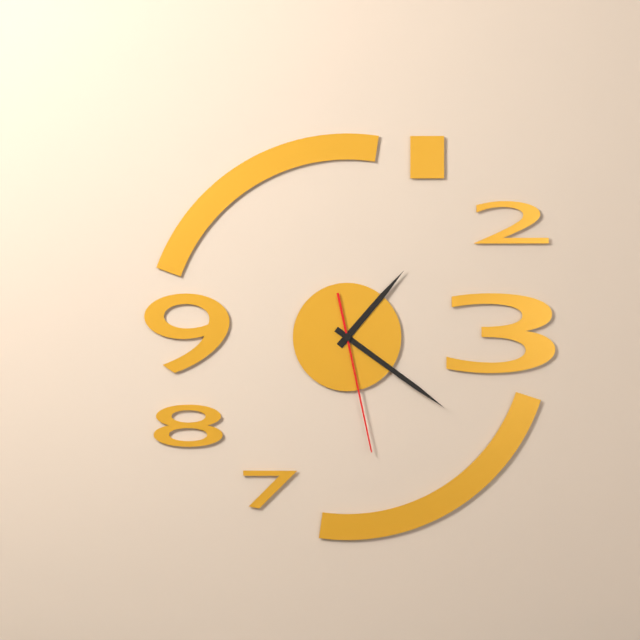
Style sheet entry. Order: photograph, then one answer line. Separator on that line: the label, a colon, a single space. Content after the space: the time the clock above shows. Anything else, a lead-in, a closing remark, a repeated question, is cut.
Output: 1:21:28
